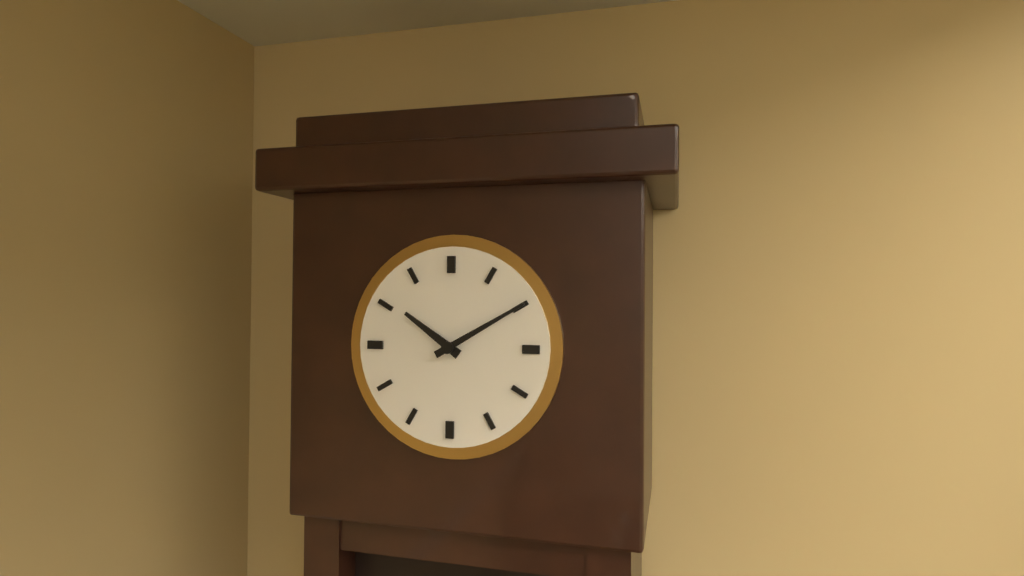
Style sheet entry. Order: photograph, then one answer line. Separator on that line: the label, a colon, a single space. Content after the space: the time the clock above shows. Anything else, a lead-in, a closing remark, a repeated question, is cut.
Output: 10:10
